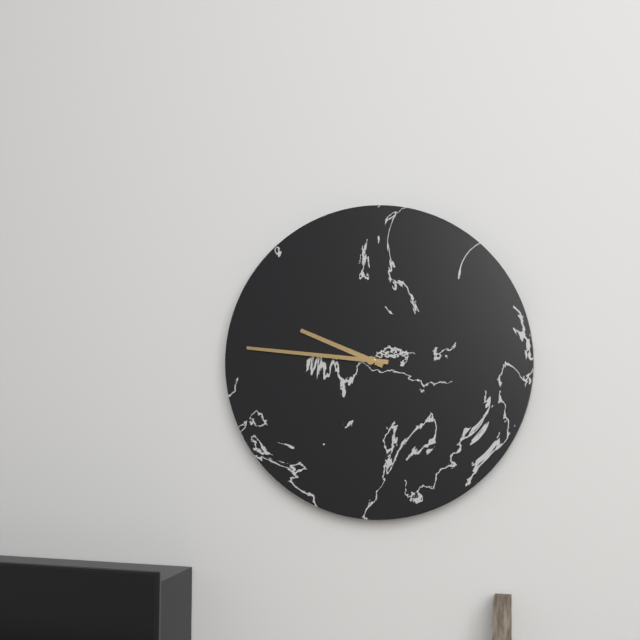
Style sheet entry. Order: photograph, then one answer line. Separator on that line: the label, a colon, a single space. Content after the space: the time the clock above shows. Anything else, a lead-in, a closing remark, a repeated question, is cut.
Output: 9:46
